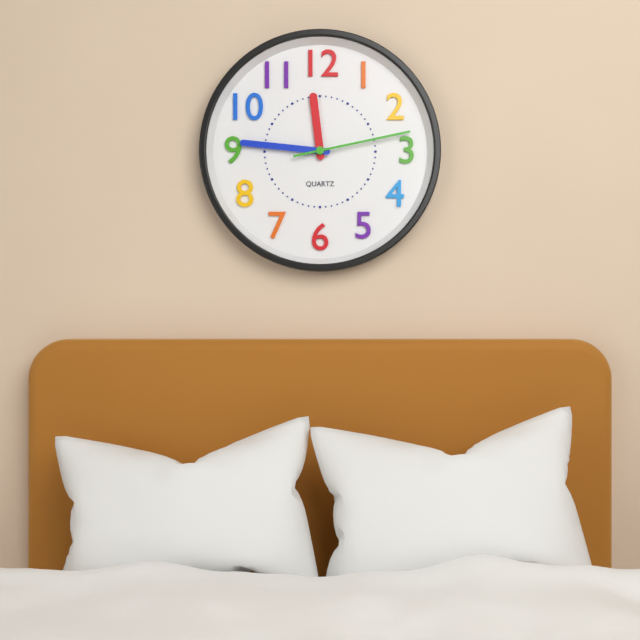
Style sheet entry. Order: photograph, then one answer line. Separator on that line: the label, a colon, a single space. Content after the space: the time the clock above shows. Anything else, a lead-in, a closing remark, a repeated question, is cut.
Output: 11:46:13
